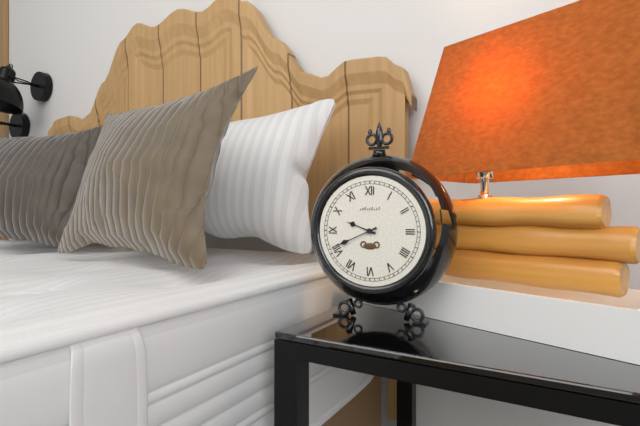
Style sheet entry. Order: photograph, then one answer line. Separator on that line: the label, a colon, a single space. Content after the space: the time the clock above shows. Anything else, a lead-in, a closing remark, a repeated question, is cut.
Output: 9:41
